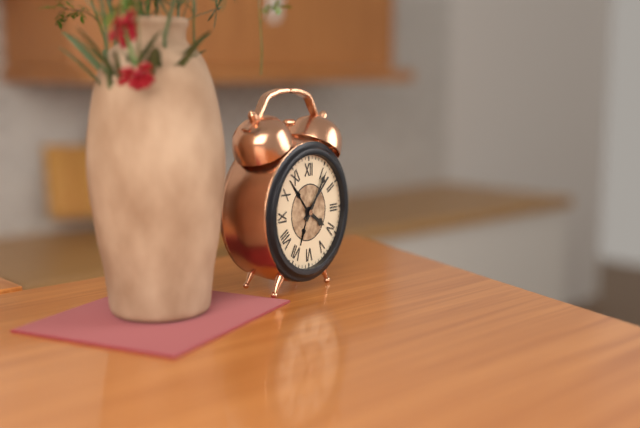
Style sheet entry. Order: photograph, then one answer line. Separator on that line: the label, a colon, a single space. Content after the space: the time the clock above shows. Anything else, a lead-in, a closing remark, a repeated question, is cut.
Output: 4:06
